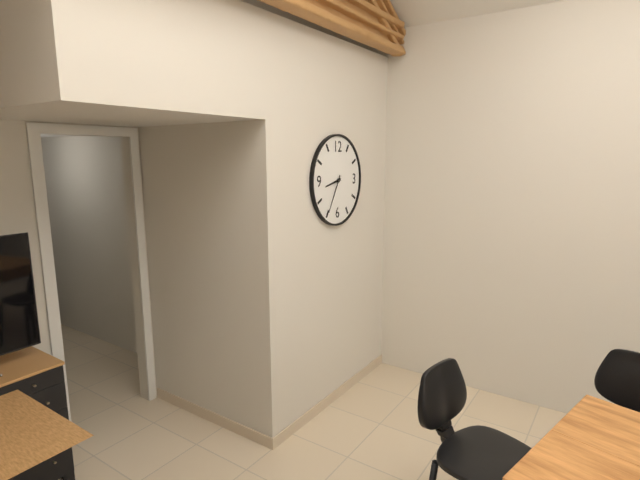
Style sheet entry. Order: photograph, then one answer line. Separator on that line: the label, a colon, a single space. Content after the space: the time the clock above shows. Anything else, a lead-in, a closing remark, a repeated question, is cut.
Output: 8:35
